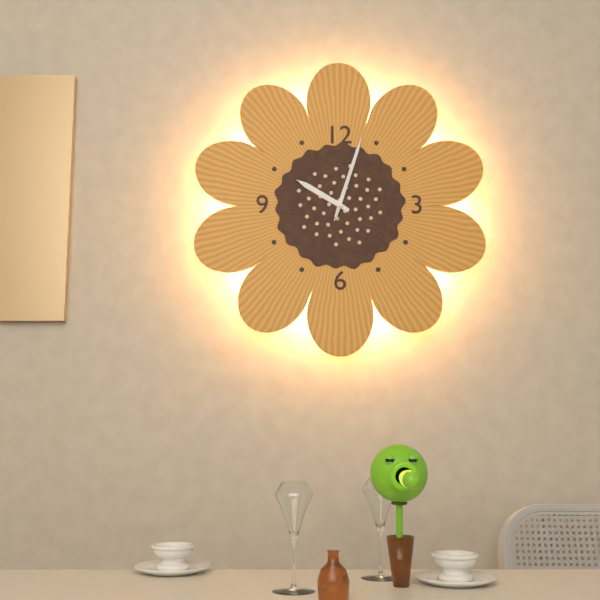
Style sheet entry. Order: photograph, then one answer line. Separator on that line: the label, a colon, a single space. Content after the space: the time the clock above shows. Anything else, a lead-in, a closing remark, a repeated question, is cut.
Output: 10:03:03
